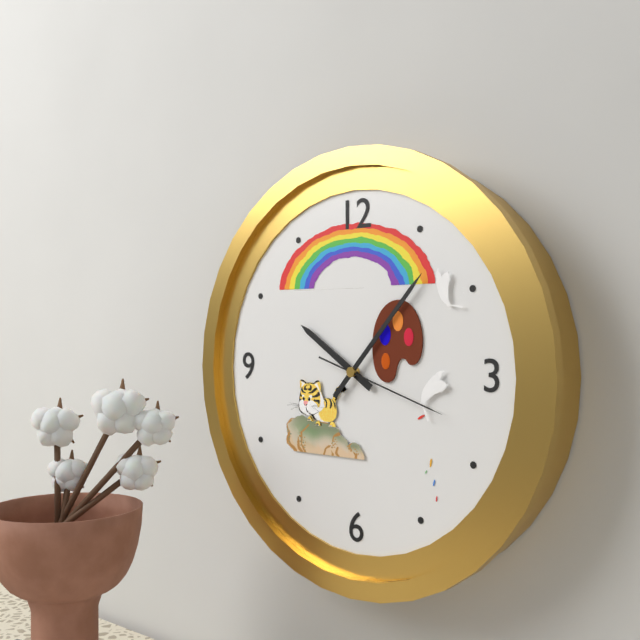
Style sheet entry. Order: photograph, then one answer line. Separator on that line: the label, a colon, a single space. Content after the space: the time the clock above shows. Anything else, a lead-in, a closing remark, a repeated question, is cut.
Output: 10:07:18
